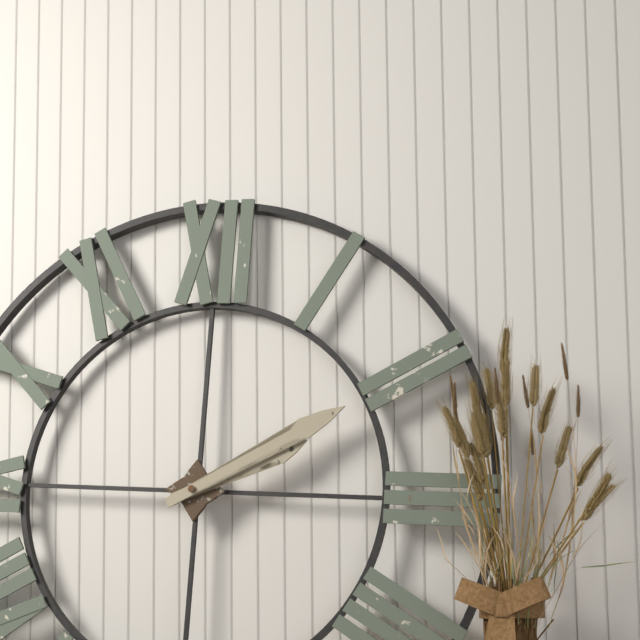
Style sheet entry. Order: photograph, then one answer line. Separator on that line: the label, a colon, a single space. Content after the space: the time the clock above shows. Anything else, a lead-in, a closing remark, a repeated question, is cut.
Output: 2:10
